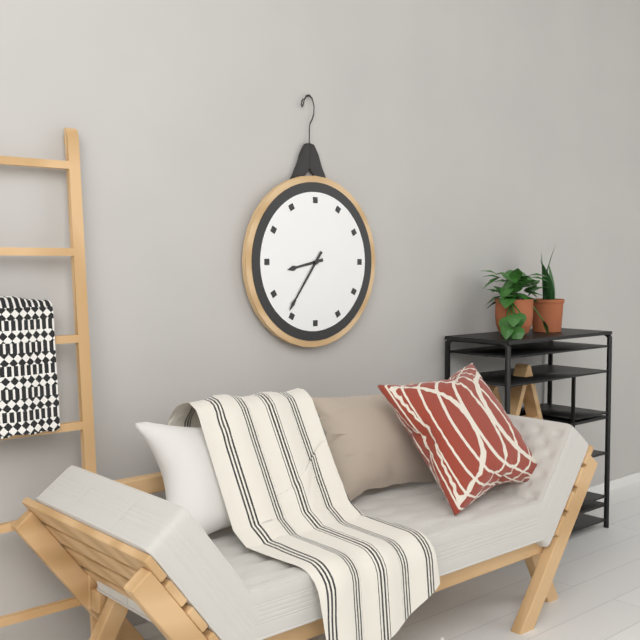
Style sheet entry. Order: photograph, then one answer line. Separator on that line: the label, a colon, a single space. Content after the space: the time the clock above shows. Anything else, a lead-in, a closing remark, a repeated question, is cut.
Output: 8:36
